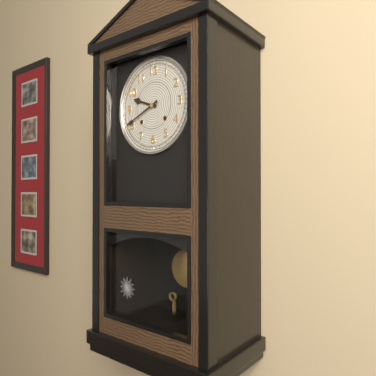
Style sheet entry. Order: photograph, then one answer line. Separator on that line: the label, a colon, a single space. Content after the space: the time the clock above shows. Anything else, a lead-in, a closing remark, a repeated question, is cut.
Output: 9:41
